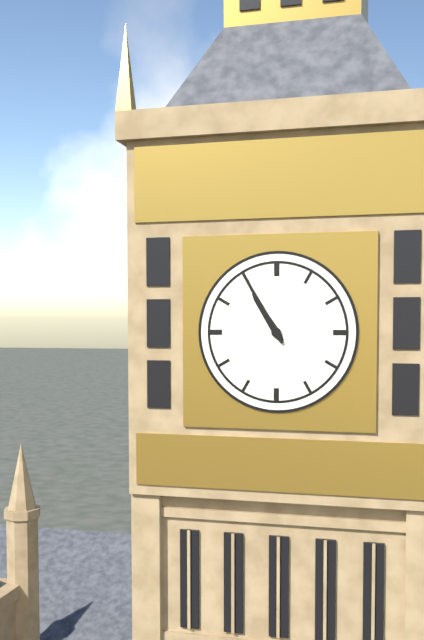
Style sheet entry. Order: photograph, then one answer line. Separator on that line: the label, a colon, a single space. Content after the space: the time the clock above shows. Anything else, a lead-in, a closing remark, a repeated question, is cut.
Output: 10:55
